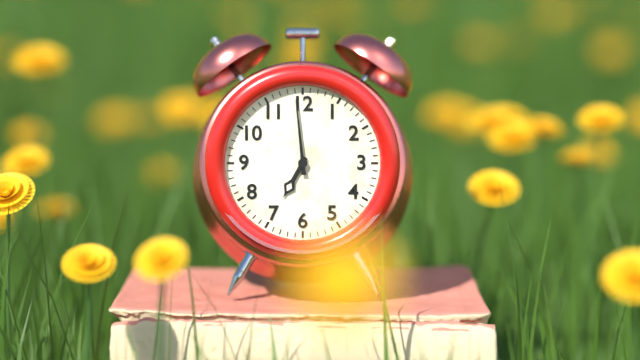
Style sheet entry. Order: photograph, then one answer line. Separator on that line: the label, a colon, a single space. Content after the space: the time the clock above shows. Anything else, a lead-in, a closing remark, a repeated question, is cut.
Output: 6:59
